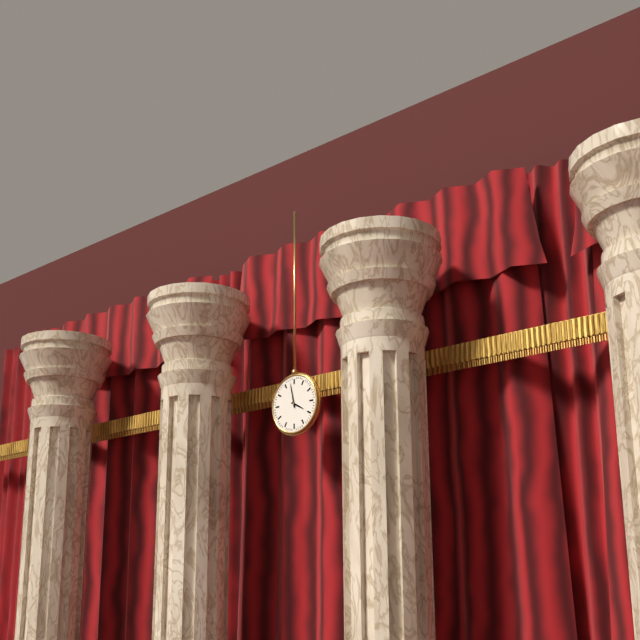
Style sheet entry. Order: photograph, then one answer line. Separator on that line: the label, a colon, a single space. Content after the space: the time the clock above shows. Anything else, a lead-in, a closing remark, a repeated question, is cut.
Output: 3:58
